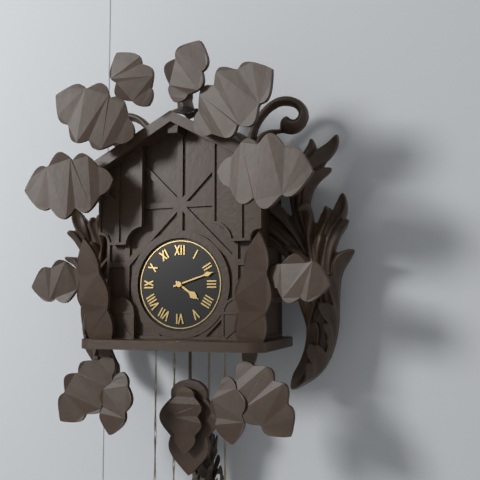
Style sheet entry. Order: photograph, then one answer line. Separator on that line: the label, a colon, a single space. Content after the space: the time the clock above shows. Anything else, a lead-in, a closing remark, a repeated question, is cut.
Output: 4:12
